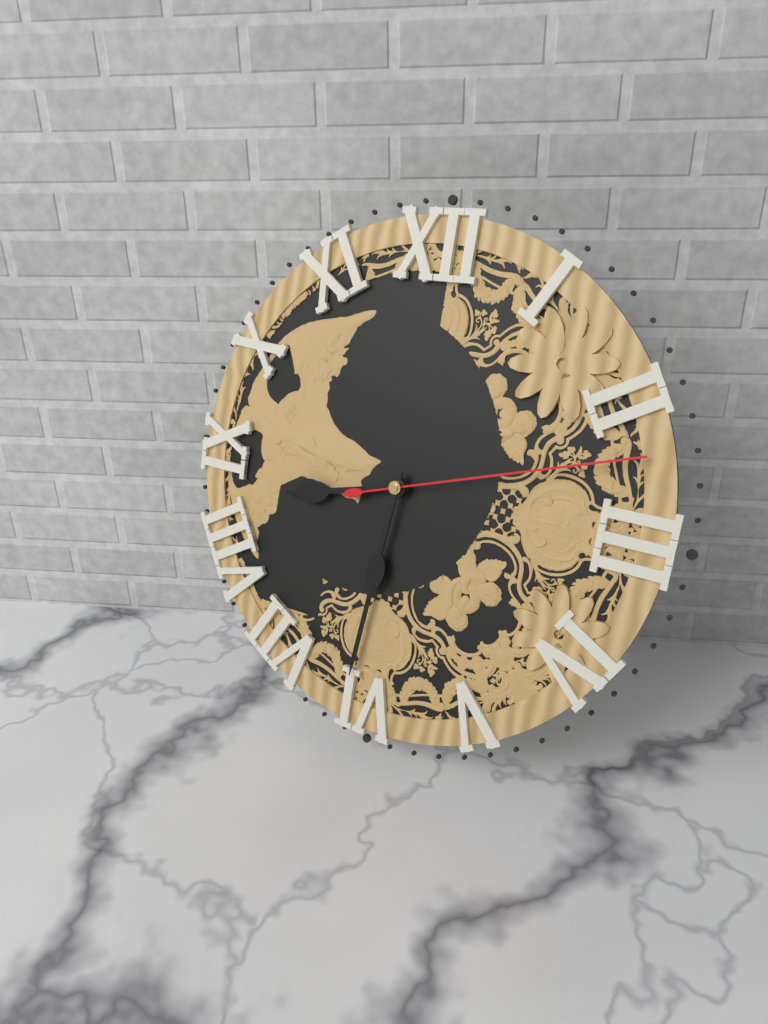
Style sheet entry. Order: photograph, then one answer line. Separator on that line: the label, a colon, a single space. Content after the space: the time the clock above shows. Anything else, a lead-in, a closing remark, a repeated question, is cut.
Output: 8:31:12
